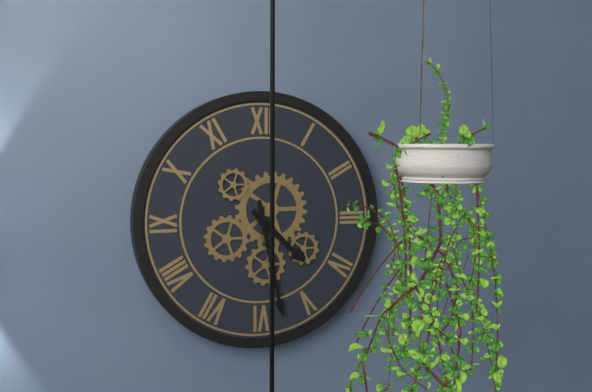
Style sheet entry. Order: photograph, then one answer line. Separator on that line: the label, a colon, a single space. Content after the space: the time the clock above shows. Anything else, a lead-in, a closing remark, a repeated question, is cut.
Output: 4:28
